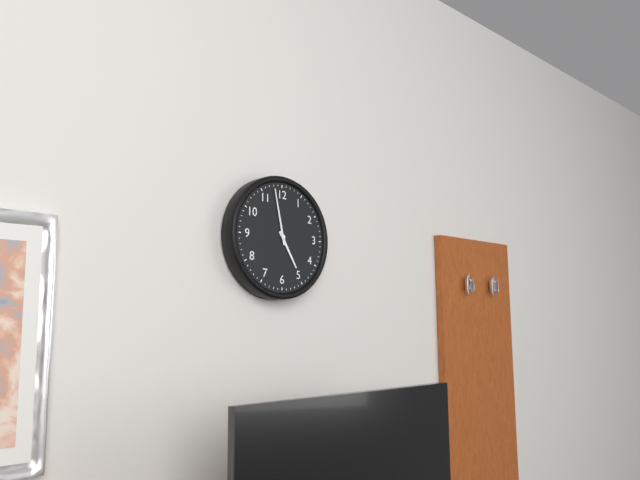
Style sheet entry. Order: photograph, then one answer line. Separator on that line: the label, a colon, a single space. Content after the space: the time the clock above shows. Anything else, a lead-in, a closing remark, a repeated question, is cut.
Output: 4:58
